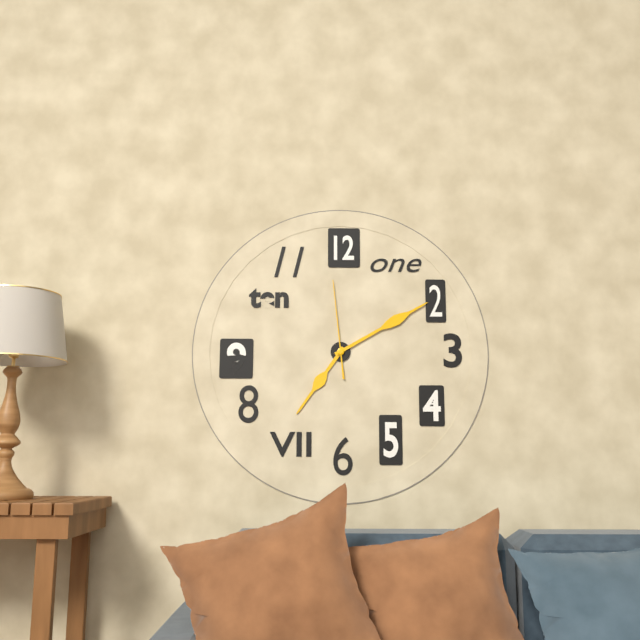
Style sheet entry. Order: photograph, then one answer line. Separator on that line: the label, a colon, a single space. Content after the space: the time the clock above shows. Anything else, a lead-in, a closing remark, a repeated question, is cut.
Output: 7:10:59
